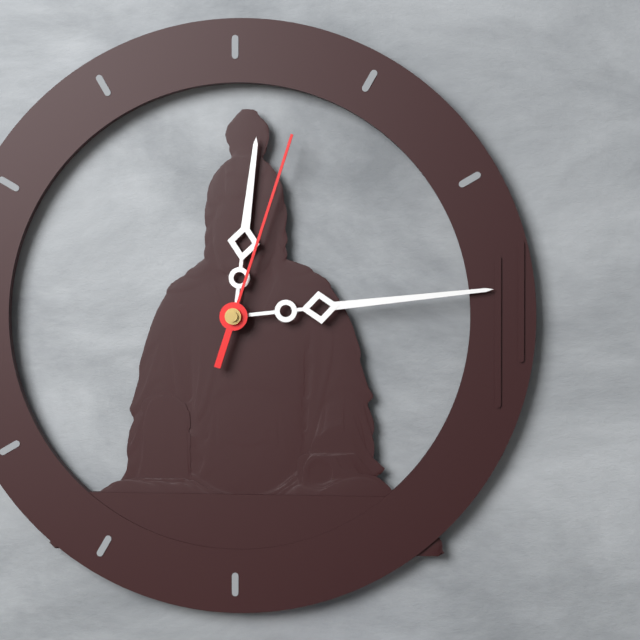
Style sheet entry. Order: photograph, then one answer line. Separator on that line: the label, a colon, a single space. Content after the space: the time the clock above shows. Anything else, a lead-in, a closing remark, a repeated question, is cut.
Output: 12:14:03
